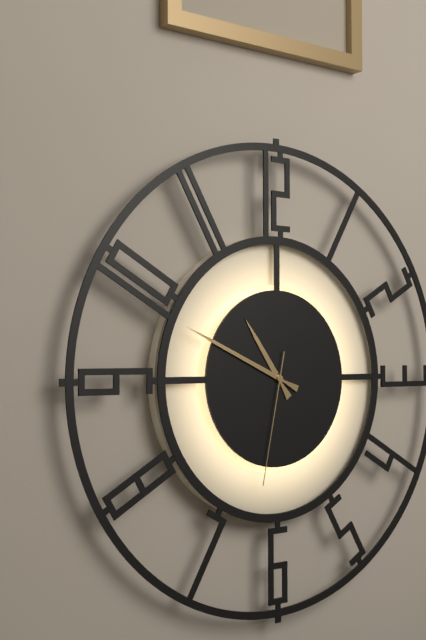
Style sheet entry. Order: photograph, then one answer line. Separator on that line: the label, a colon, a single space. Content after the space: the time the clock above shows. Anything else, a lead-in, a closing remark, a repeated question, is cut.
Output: 10:49:32
